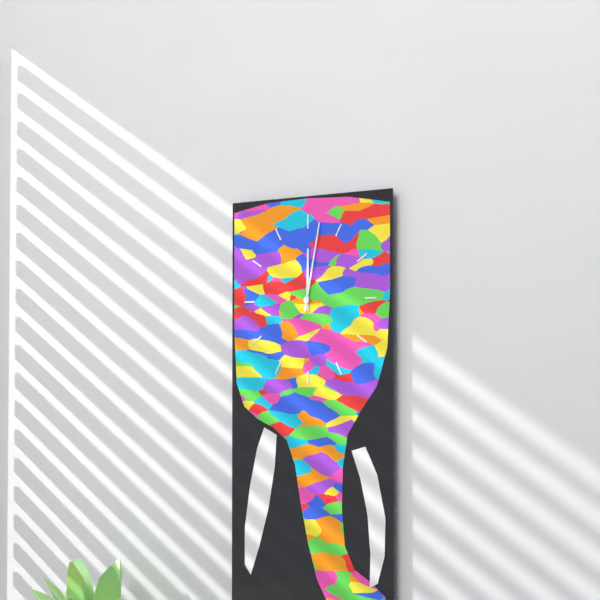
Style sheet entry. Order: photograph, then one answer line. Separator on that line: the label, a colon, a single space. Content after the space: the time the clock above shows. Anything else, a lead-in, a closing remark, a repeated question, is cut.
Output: 12:02
